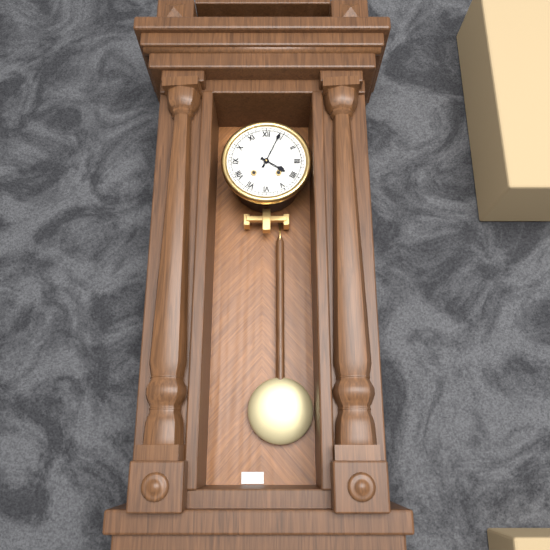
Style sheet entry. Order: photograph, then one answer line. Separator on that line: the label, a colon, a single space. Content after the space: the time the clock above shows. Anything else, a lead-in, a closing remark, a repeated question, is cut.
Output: 4:04
